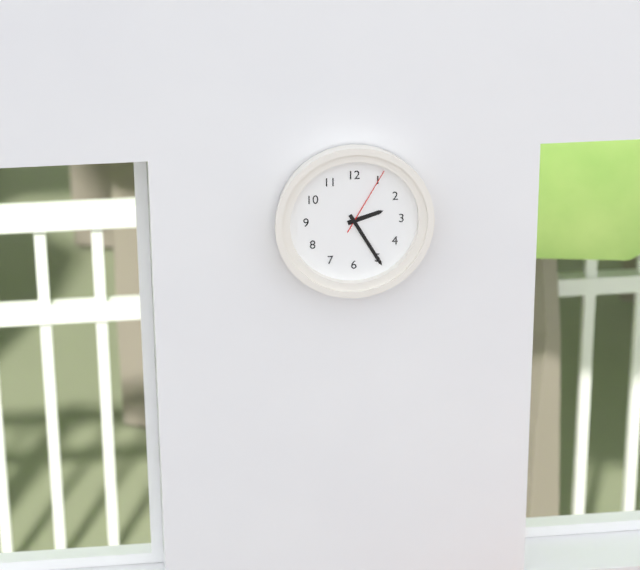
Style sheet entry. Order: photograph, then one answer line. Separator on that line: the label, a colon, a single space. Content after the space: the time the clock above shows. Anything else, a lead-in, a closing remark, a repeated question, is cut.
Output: 2:25:05
